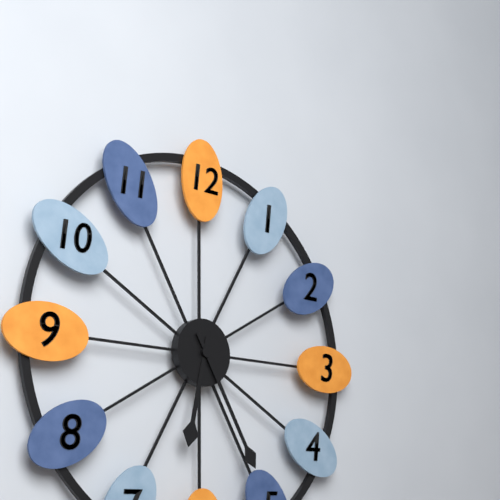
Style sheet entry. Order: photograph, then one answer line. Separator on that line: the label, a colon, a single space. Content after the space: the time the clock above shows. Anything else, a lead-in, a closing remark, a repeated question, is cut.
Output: 6:25
